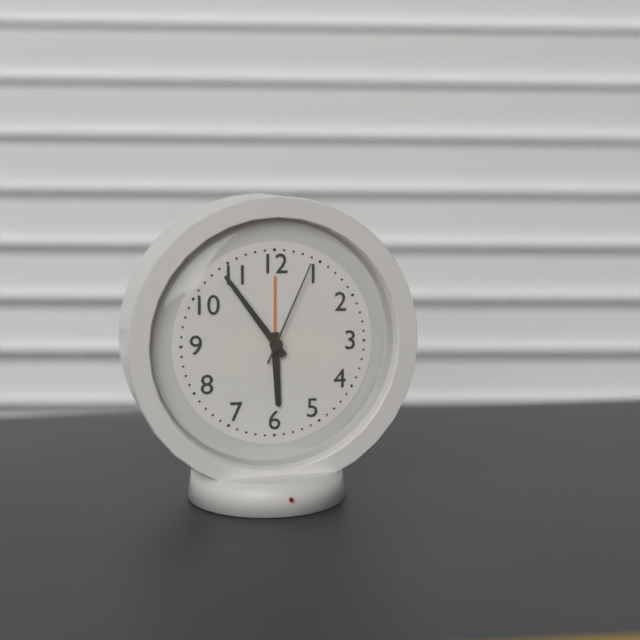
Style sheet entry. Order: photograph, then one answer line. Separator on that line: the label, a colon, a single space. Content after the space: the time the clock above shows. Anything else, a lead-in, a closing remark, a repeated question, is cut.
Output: 5:54:04
